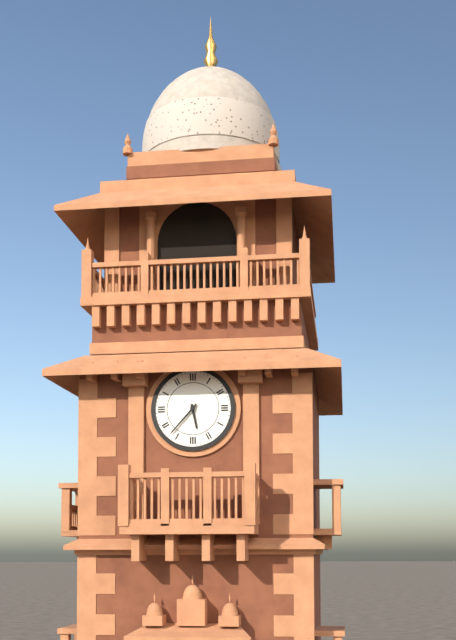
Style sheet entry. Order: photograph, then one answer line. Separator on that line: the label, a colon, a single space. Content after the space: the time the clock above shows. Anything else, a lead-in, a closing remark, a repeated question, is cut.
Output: 5:37
